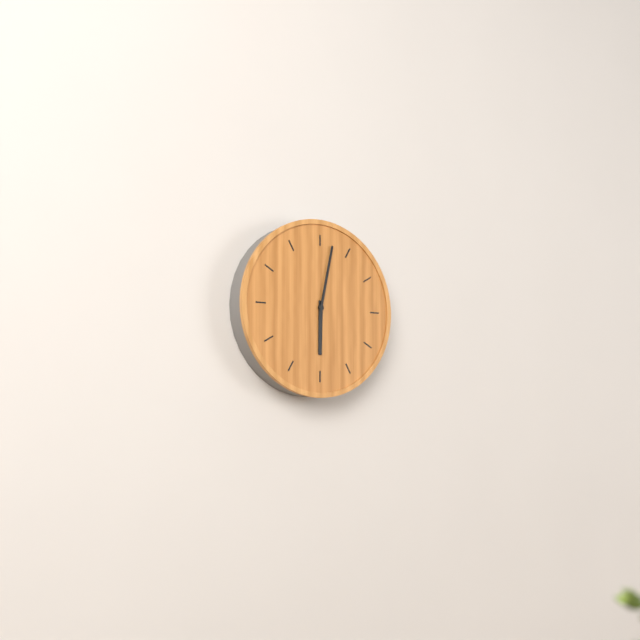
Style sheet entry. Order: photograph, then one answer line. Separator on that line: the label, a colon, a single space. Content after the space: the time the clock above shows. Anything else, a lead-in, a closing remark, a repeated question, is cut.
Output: 6:02
